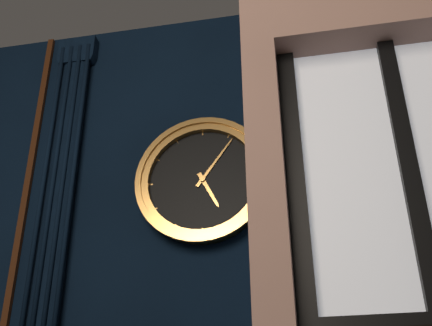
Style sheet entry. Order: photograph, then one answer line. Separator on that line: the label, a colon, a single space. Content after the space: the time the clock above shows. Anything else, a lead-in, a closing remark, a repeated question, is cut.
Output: 5:06
